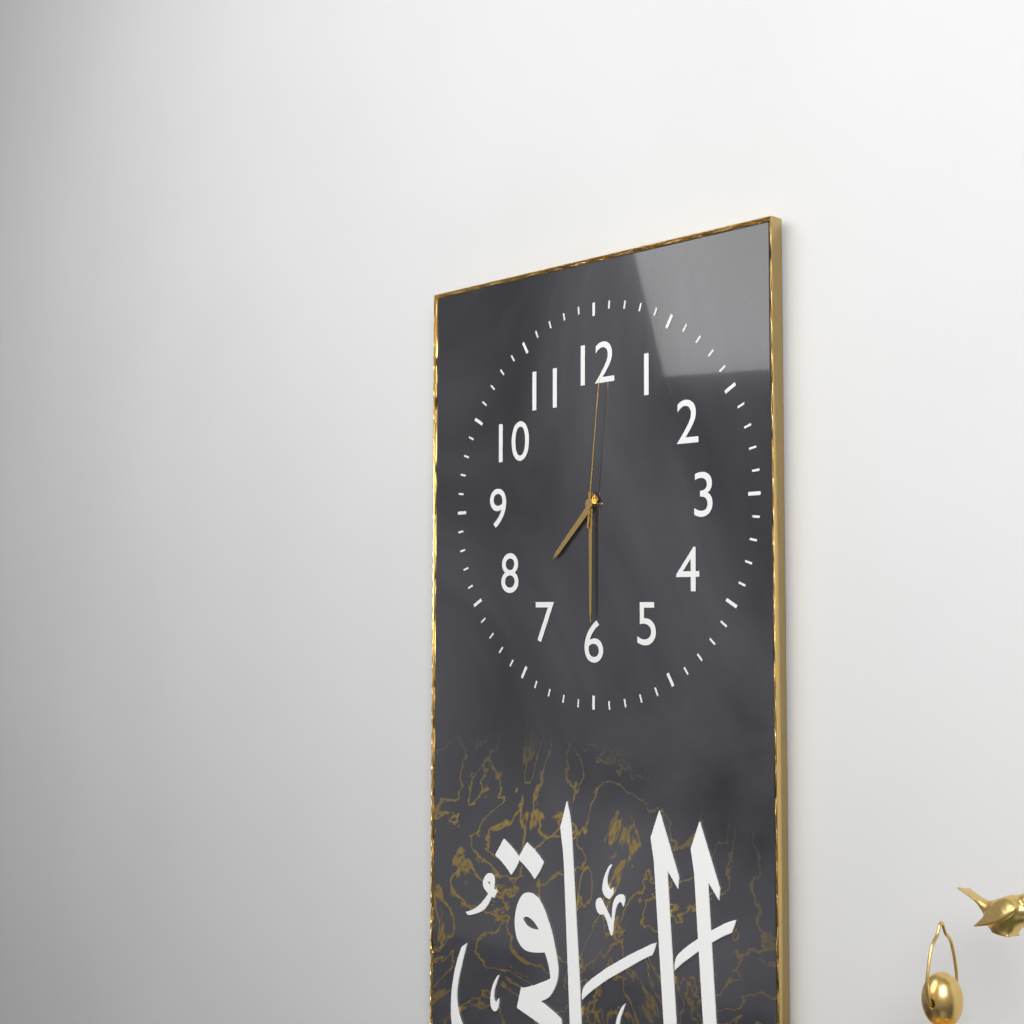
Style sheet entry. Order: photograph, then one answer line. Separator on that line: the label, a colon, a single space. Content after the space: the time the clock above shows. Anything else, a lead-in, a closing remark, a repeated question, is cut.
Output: 7:30:01
